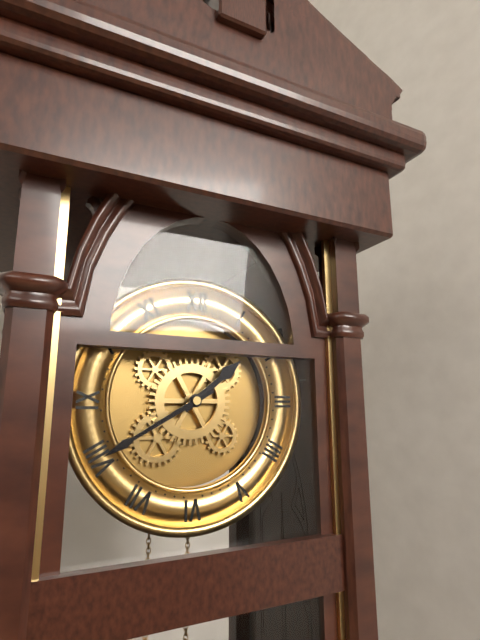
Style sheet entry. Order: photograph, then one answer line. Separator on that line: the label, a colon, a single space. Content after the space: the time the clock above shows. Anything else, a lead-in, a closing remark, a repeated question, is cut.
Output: 1:40
